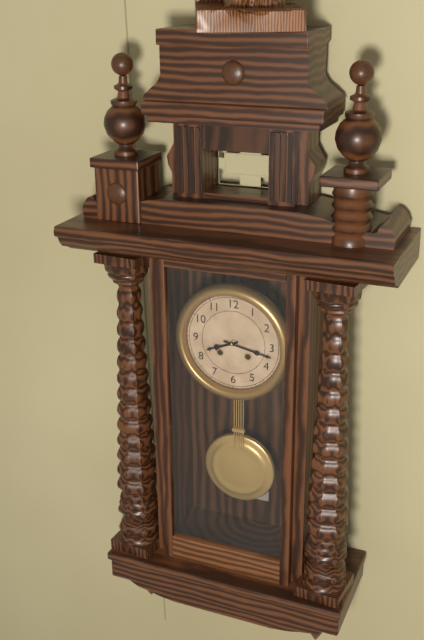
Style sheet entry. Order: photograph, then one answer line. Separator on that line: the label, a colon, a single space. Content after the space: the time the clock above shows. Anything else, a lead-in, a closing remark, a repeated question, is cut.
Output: 8:17
